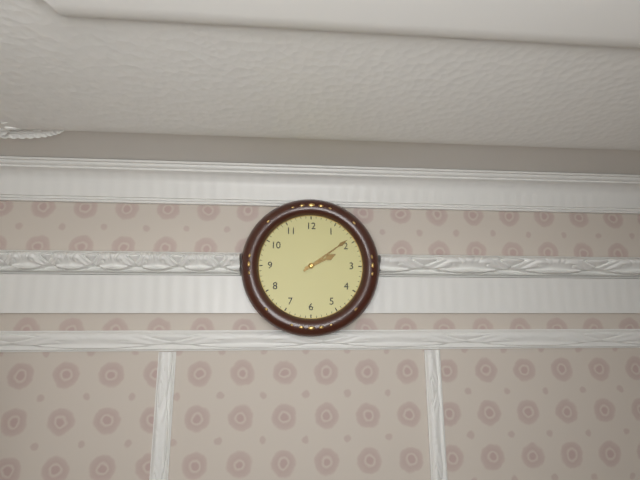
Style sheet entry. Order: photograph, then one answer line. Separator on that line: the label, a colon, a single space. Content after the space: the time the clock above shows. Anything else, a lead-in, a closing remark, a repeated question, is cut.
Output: 2:09
